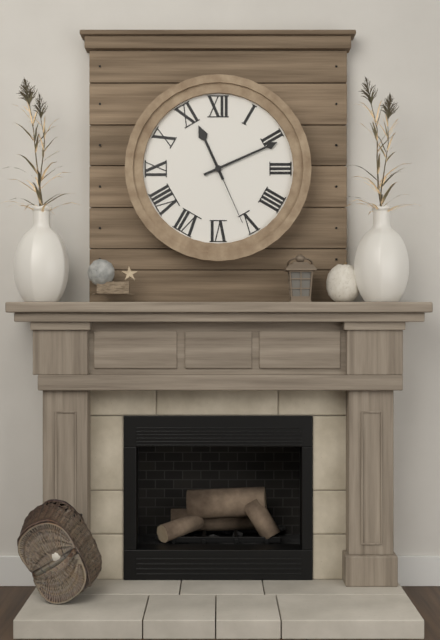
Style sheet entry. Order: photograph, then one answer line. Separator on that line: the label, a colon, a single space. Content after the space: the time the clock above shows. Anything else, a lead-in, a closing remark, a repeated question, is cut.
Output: 11:11:26
